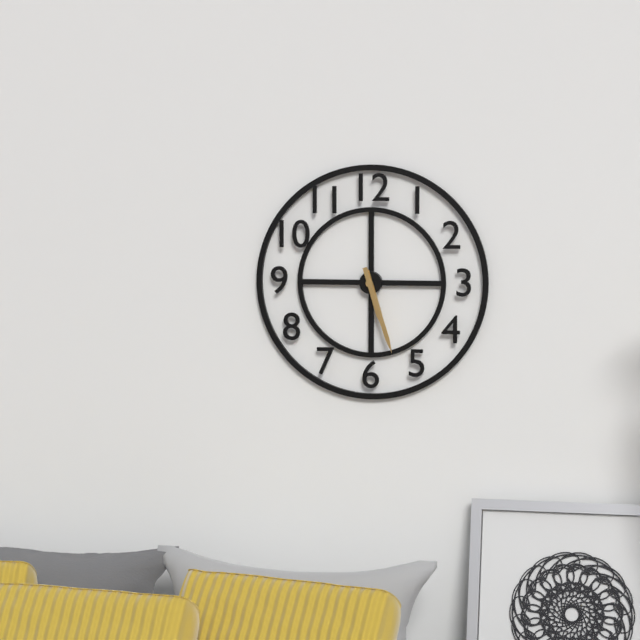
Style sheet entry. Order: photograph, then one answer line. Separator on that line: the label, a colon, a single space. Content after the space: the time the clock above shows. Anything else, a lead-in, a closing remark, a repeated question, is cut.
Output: 5:27
